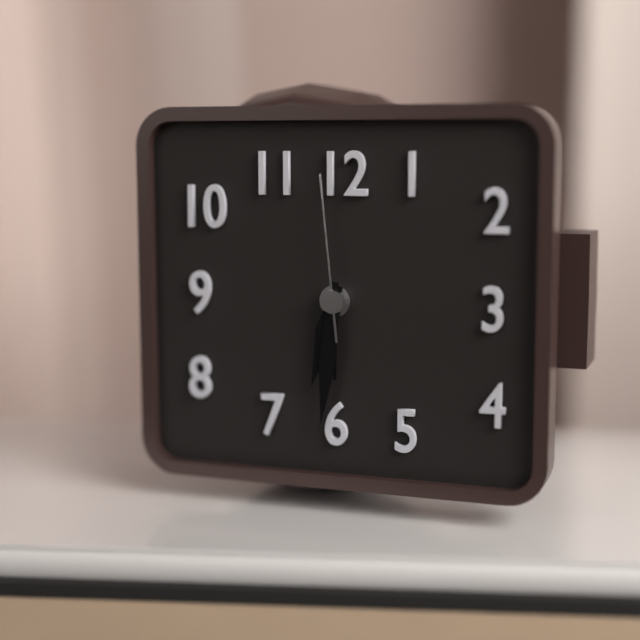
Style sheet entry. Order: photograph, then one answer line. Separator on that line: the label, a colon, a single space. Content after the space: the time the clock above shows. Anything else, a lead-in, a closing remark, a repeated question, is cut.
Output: 6:31:59
